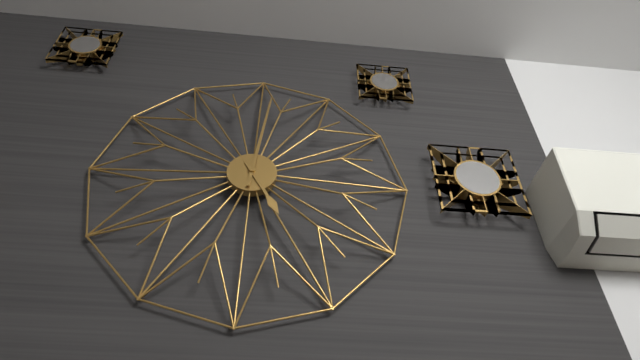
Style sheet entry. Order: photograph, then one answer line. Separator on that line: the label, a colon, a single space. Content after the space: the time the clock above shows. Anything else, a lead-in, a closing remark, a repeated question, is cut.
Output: 5:01
